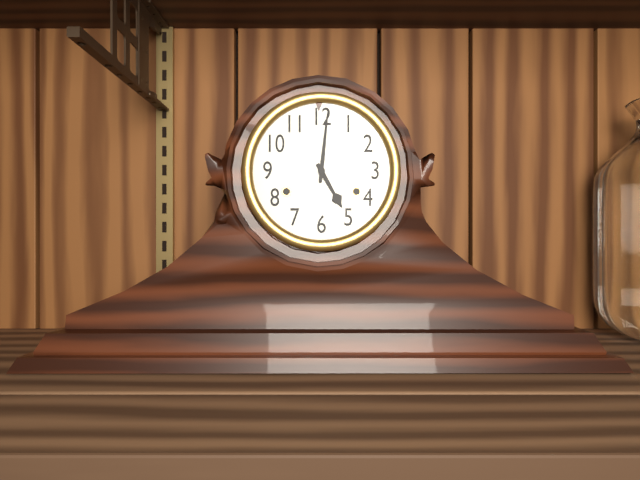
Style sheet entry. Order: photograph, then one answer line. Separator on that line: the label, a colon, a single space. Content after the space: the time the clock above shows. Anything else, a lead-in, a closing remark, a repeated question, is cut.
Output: 5:01
